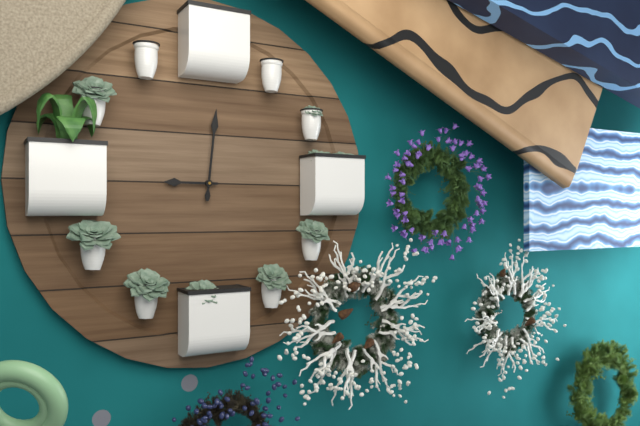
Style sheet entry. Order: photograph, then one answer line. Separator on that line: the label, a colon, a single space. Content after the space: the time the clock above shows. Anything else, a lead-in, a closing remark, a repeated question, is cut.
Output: 9:01
